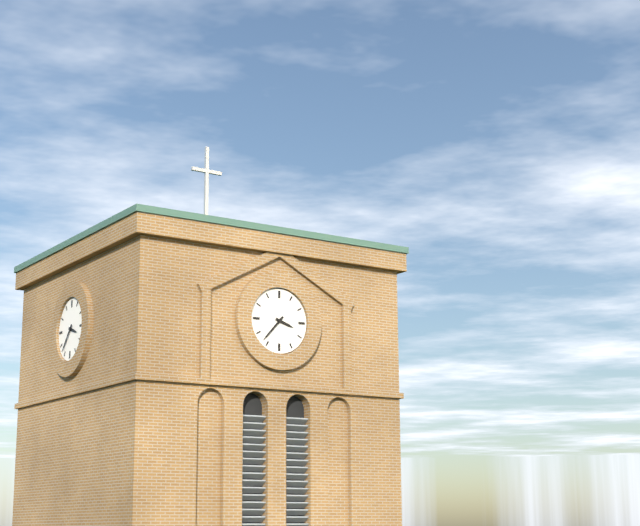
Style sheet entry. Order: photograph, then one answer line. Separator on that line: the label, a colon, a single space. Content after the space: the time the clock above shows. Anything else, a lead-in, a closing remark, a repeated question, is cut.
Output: 3:37
